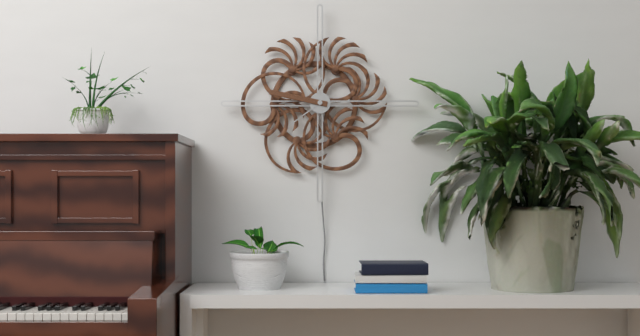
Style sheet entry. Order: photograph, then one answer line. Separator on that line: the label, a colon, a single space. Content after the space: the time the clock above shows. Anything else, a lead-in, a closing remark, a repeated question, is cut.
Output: 7:47
